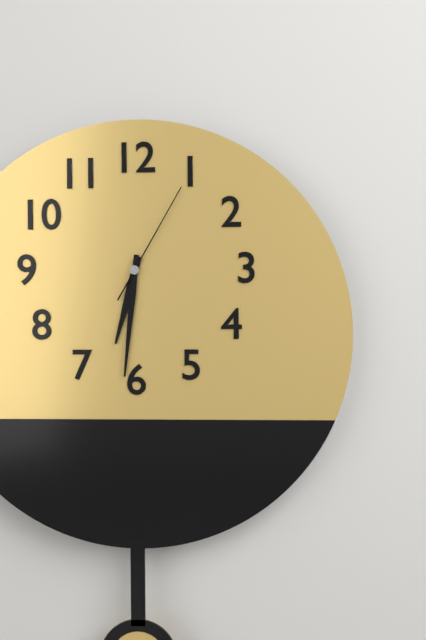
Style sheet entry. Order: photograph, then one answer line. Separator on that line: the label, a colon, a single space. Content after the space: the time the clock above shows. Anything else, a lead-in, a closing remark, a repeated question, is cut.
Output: 6:31:05
